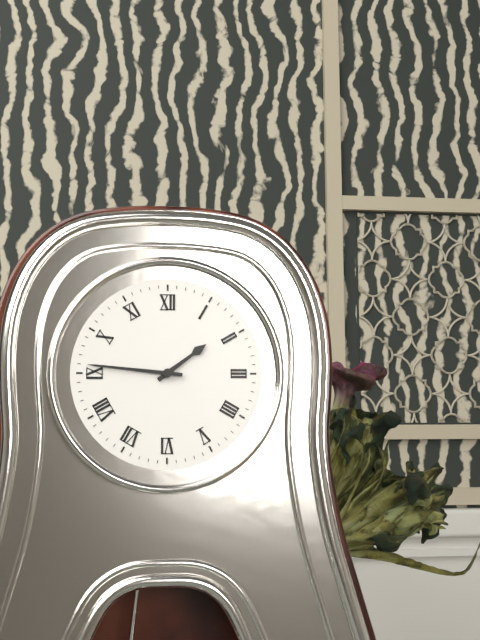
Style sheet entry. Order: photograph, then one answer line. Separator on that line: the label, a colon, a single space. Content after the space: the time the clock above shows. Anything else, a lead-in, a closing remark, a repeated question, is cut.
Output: 1:46
